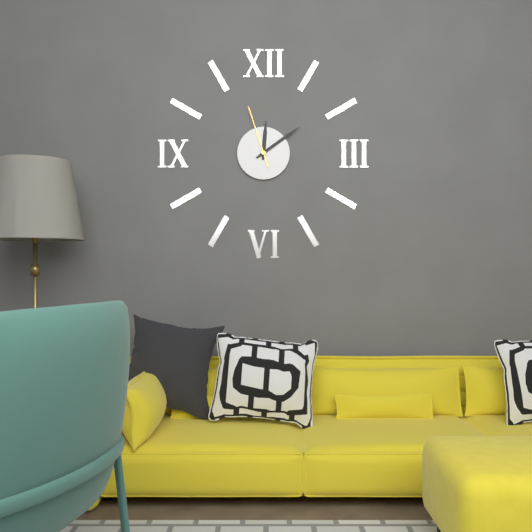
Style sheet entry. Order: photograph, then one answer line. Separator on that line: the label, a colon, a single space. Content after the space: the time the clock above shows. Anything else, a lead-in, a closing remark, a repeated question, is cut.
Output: 12:09:57
